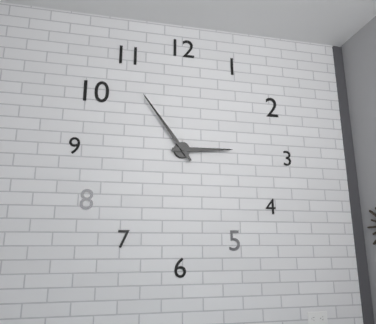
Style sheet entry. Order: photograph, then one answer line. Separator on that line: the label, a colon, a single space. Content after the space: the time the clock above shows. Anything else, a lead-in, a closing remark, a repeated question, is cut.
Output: 2:54
